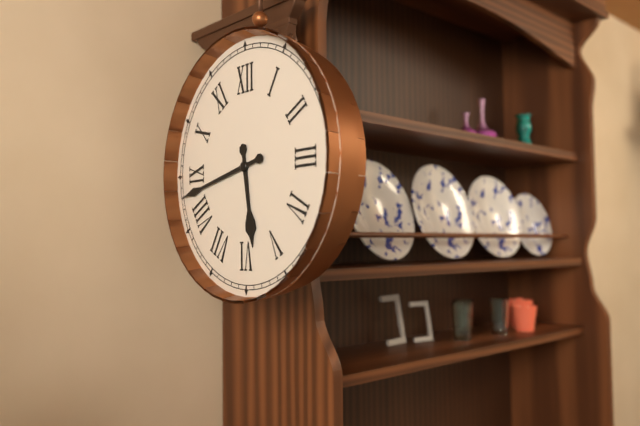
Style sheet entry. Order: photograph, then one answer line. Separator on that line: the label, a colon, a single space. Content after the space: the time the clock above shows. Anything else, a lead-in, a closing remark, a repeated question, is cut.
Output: 5:43
